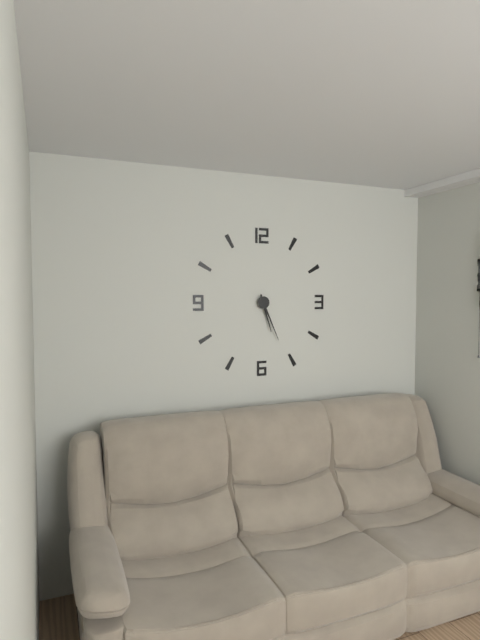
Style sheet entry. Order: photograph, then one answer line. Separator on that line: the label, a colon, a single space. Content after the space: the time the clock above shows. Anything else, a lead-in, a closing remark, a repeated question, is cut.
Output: 5:26
